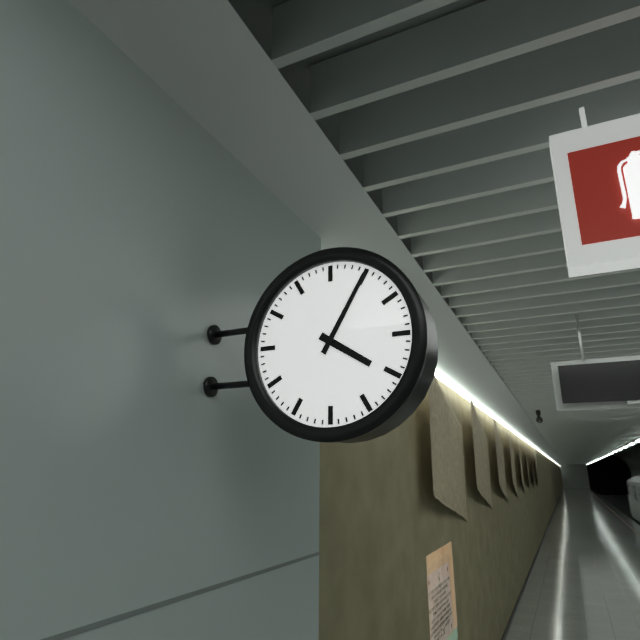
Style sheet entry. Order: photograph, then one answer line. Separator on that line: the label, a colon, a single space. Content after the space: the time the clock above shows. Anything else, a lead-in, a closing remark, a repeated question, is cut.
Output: 4:05
